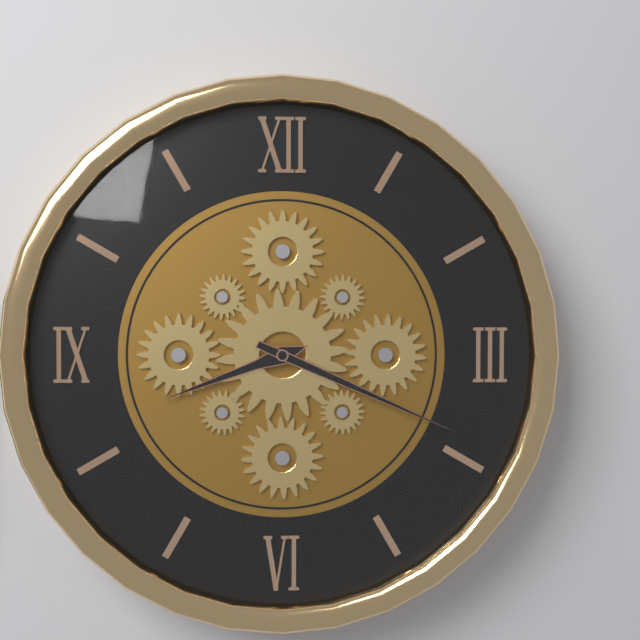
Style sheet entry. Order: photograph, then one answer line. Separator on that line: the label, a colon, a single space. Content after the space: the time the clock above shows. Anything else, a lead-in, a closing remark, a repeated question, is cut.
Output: 8:19
